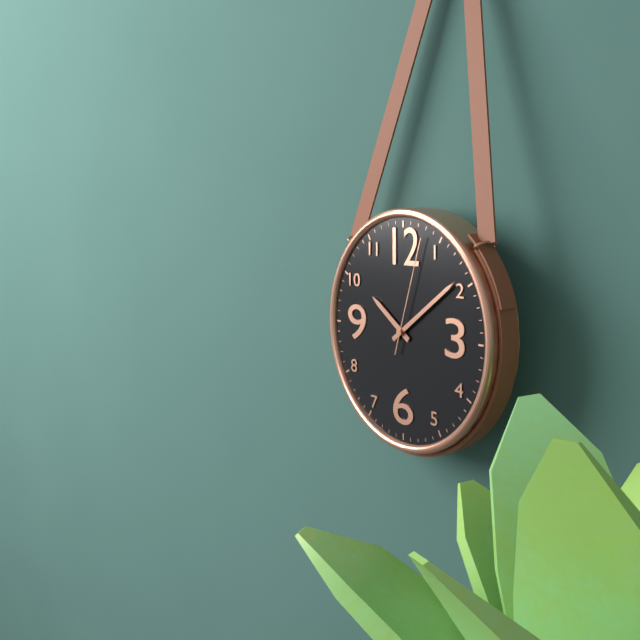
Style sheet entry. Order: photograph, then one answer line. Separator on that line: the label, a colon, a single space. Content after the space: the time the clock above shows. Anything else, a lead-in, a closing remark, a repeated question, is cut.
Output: 10:09:03
